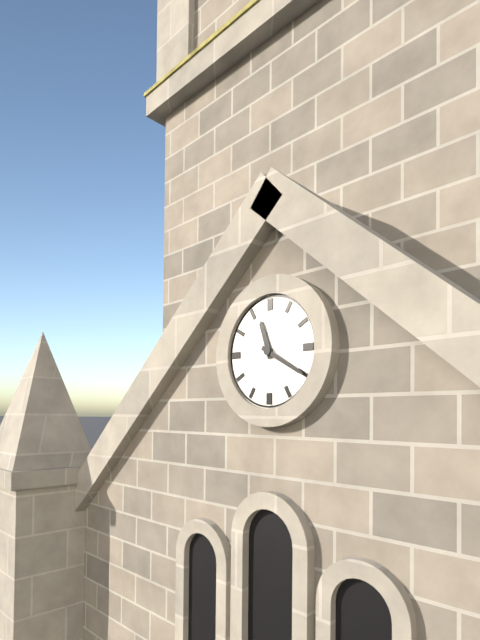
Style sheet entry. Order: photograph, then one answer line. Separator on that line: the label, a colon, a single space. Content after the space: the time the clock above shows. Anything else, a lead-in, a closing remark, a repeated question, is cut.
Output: 11:20
